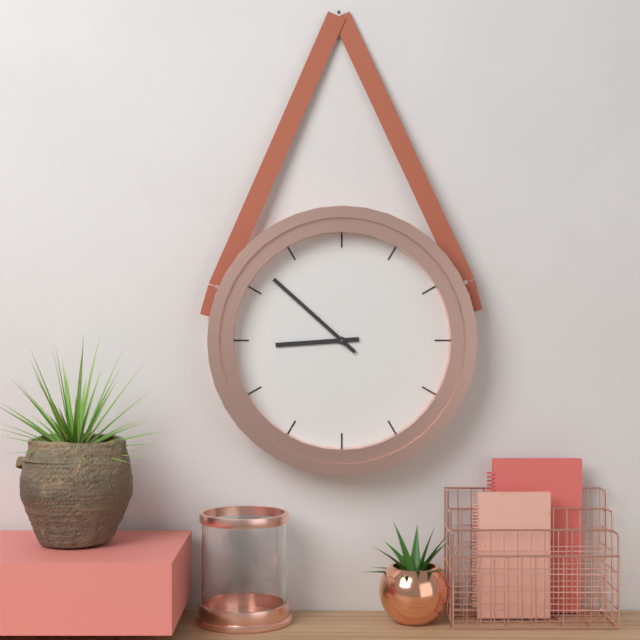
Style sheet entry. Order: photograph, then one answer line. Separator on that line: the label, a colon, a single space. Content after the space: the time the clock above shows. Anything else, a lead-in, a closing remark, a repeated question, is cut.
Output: 8:52
